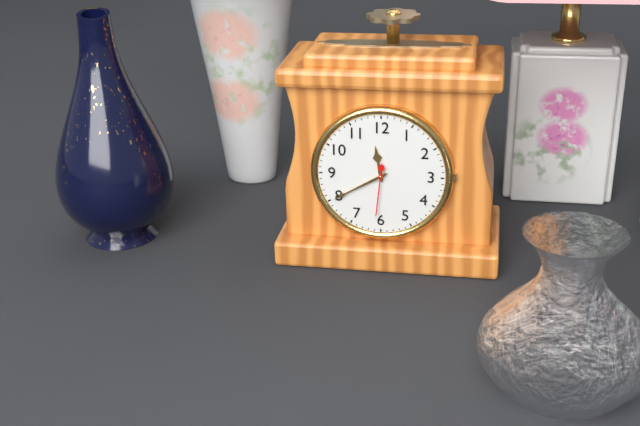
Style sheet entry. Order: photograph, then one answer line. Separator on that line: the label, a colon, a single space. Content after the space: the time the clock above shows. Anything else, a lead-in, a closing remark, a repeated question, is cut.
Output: 11:40:31
